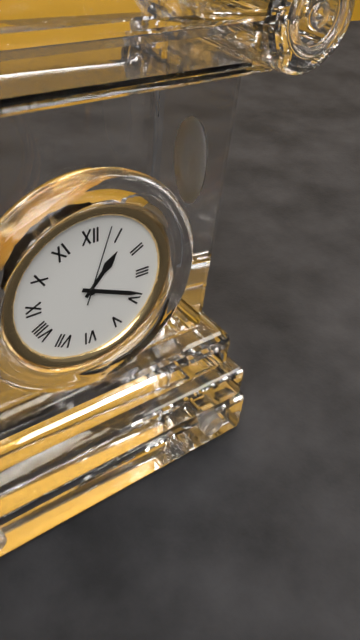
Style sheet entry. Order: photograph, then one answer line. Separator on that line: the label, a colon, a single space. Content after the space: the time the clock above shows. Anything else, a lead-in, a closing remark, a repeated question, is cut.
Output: 1:19:03
